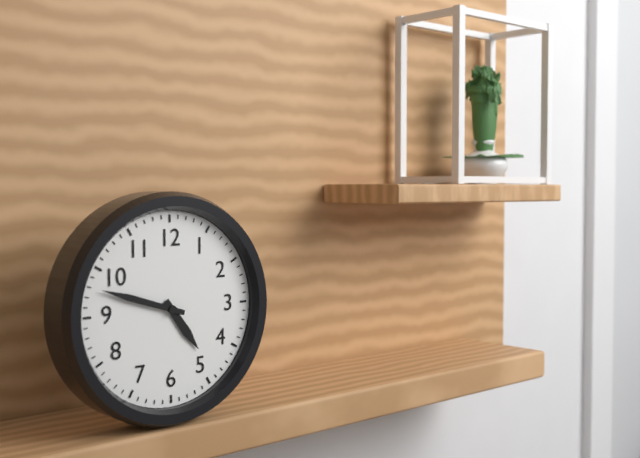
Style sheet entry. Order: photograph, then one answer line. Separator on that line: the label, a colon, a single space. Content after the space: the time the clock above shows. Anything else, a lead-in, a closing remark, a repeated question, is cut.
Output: 4:48
